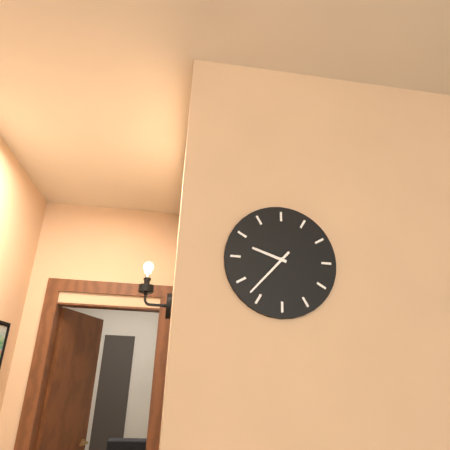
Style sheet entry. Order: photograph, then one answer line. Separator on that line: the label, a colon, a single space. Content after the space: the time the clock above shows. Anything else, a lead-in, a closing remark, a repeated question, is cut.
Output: 9:37
